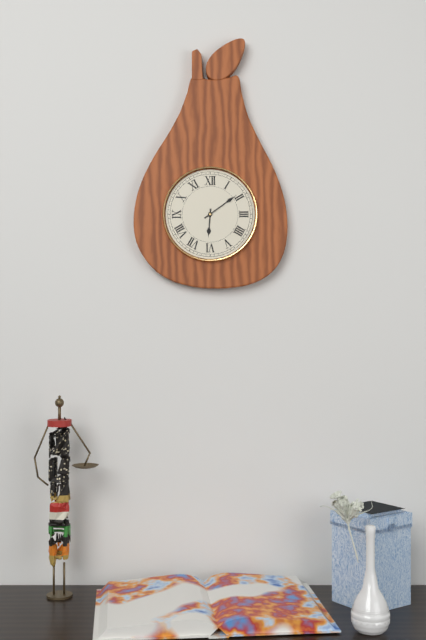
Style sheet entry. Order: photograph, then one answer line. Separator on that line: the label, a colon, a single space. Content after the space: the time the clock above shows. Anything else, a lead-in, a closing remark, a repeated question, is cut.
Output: 6:09
